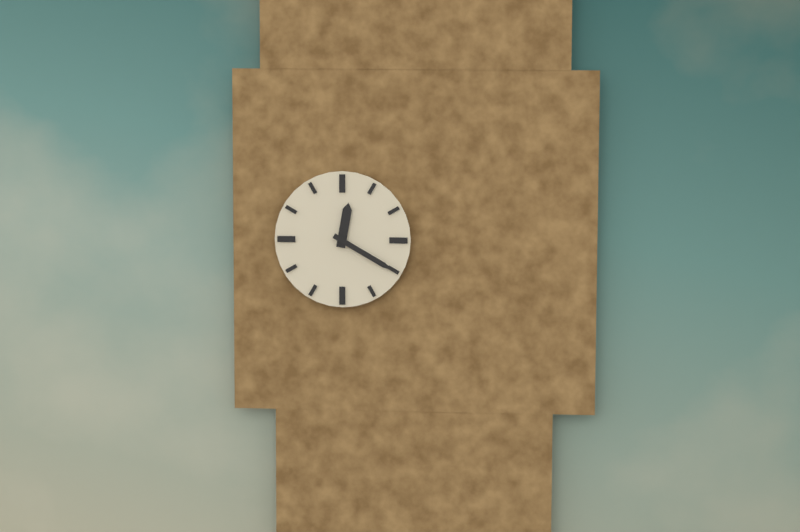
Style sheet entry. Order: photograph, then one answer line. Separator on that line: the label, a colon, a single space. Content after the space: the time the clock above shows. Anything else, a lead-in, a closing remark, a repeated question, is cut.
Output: 12:20
